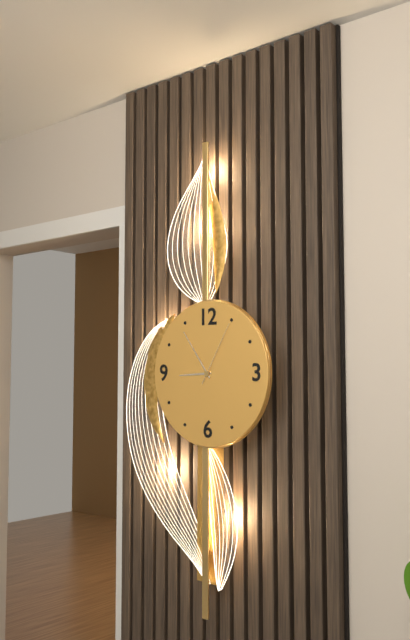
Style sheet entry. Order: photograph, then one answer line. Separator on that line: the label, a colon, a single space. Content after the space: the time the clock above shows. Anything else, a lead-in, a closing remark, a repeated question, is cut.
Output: 8:54:05
